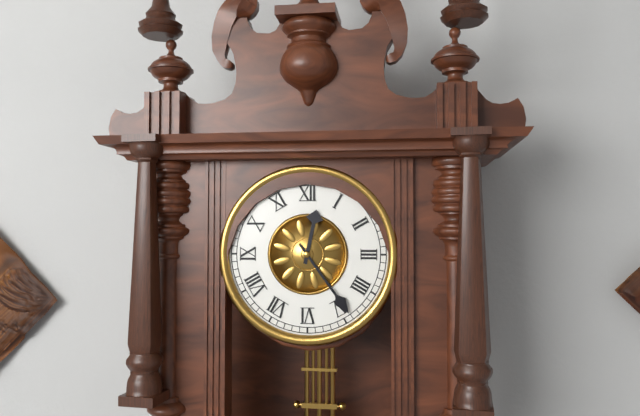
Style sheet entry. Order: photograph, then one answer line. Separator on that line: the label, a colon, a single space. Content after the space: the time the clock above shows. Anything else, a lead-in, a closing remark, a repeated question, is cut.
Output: 12:24
